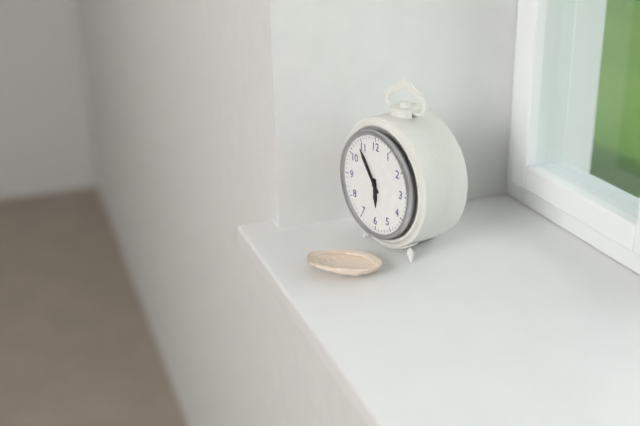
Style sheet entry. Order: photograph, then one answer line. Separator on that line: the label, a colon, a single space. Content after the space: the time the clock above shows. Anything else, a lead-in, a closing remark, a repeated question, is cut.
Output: 5:54
